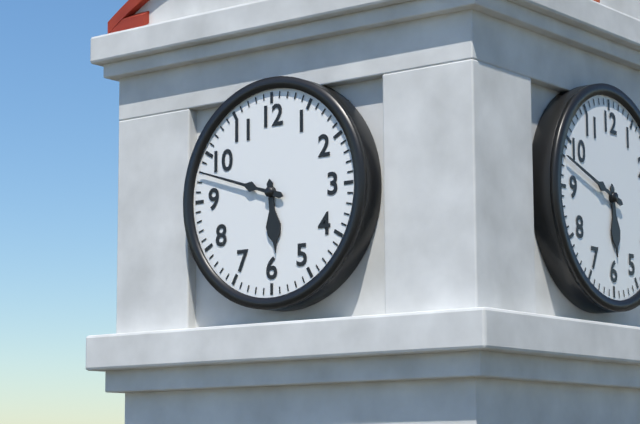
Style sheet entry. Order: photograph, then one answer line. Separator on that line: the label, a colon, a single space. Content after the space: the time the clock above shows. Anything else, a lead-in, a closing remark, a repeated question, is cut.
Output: 5:48
